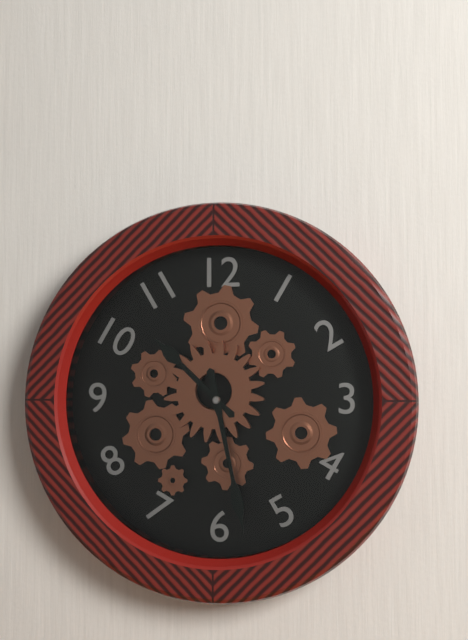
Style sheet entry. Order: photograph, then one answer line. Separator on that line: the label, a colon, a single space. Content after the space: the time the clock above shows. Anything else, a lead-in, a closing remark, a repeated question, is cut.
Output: 10:28
